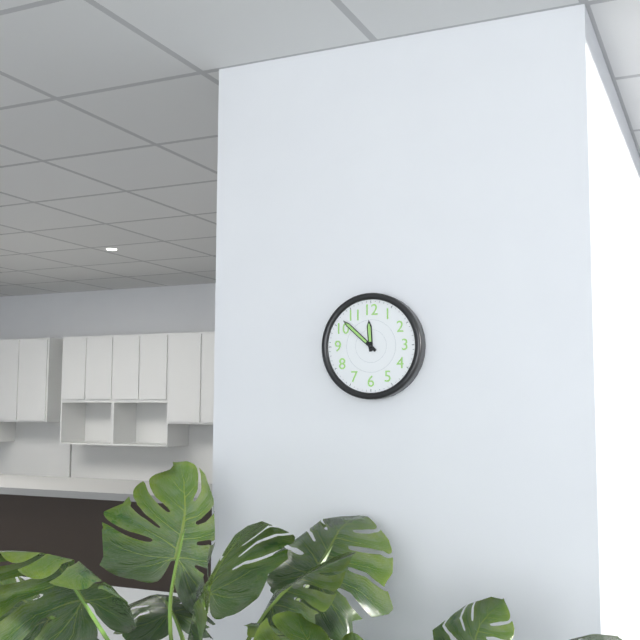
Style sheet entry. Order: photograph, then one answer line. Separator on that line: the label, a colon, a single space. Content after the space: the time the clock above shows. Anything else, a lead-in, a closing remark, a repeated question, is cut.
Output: 11:52
